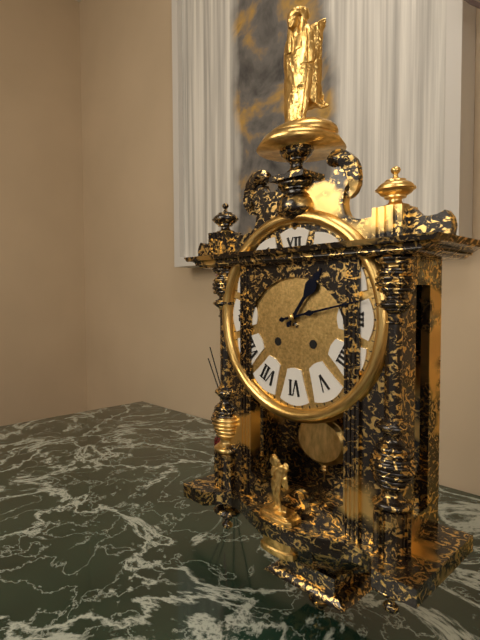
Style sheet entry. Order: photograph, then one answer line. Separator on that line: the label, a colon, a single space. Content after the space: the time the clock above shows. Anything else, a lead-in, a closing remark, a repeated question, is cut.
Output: 1:13
